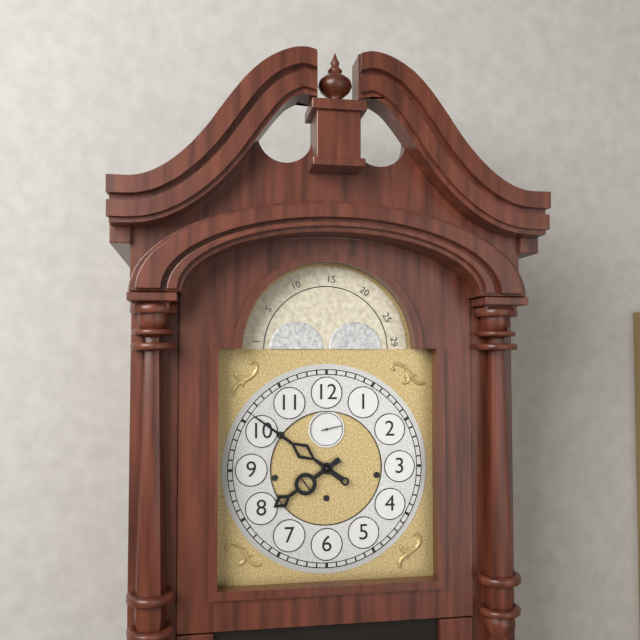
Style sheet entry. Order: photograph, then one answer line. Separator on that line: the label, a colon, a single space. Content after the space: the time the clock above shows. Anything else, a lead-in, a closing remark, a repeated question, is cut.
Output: 7:51
